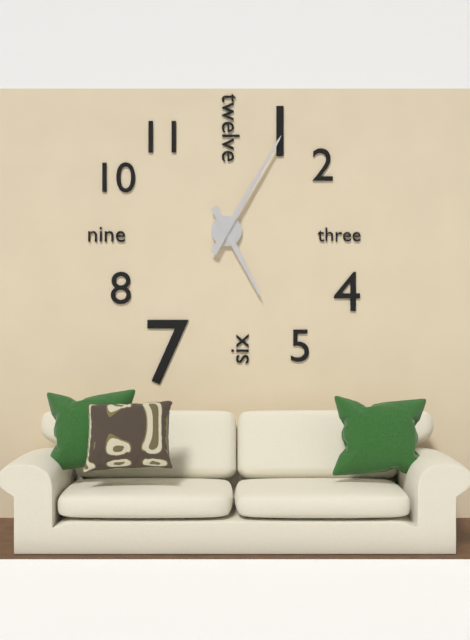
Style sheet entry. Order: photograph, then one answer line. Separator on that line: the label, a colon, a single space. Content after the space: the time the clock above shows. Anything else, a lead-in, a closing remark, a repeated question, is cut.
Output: 5:05
